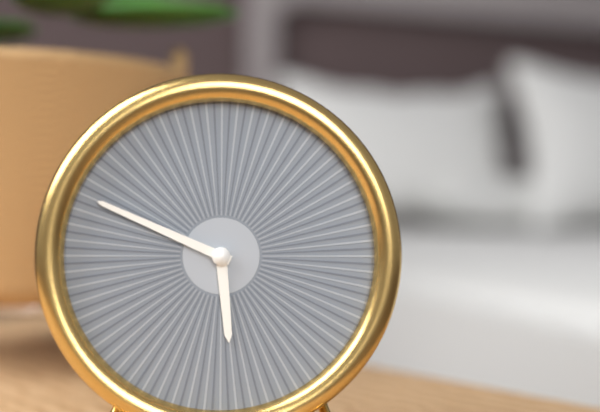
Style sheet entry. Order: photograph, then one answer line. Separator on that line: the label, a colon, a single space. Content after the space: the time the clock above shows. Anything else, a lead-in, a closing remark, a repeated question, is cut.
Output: 5:49
